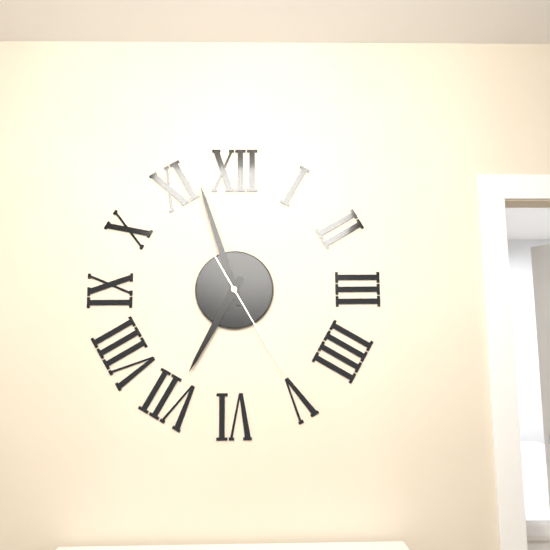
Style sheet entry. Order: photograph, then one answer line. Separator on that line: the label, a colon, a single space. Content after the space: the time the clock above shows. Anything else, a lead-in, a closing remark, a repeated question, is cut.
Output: 6:57:25
